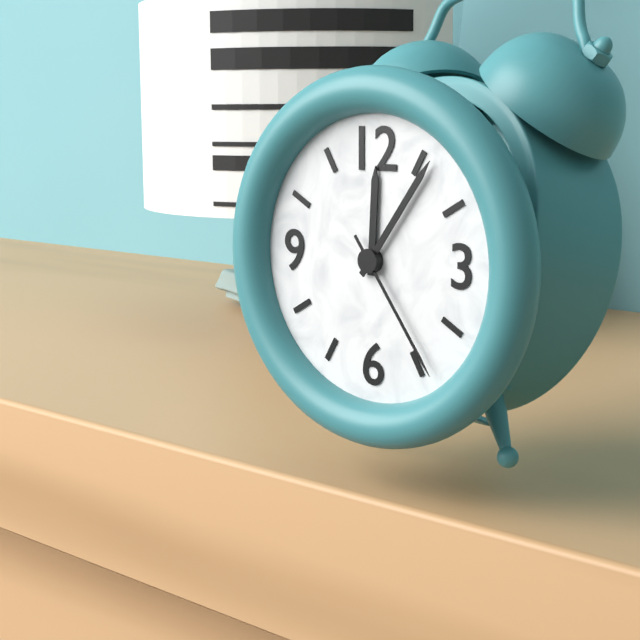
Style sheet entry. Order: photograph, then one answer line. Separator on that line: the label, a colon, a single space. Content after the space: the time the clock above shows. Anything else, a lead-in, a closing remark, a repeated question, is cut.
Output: 12:06:24
